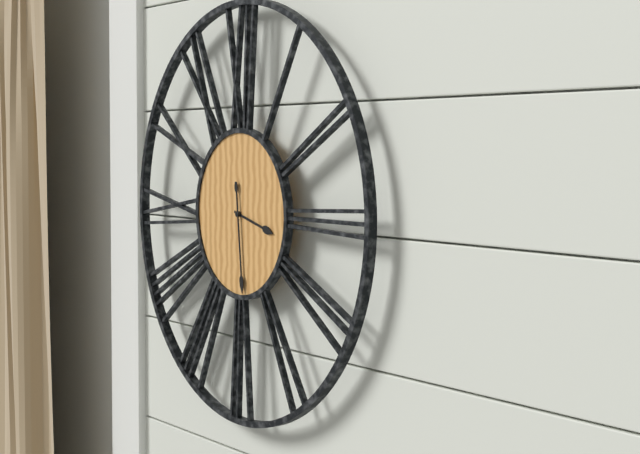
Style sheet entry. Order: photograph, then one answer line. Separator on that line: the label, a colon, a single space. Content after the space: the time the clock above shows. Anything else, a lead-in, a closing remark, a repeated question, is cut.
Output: 3:29
